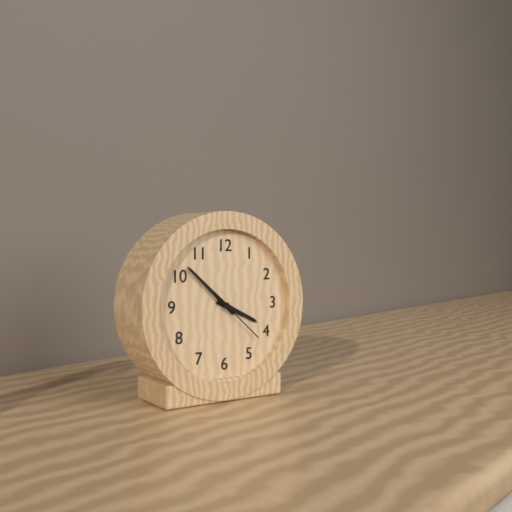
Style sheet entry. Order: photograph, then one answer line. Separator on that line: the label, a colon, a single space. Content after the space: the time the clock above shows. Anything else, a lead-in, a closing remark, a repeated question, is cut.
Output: 3:52:22
